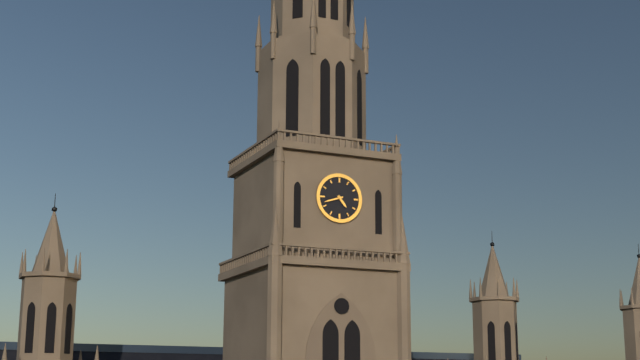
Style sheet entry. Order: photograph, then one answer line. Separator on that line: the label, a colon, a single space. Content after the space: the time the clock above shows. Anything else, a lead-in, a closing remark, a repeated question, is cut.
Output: 4:42
